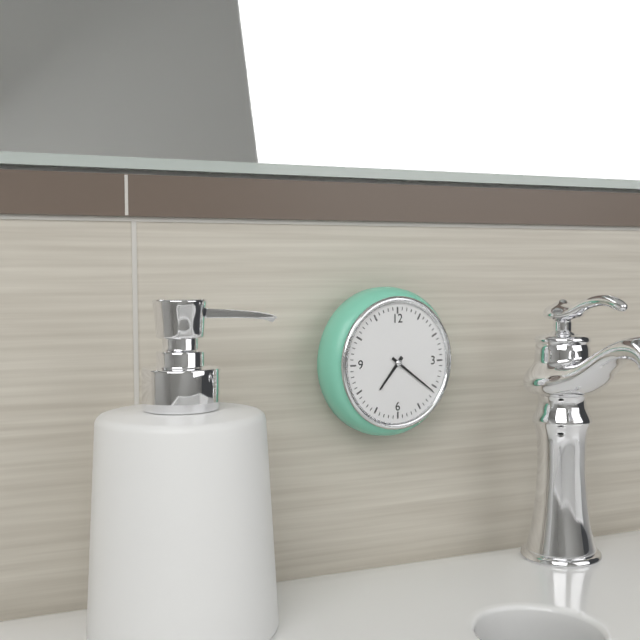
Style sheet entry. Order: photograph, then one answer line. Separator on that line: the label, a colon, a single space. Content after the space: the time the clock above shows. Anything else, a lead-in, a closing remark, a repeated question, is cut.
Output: 7:21
